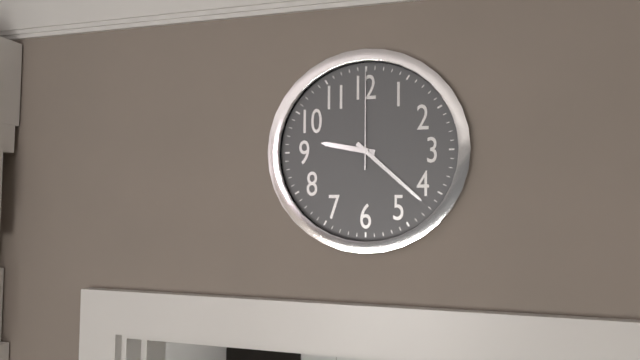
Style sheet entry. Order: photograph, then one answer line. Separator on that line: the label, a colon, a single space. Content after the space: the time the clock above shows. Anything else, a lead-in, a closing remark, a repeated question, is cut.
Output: 9:22:00
